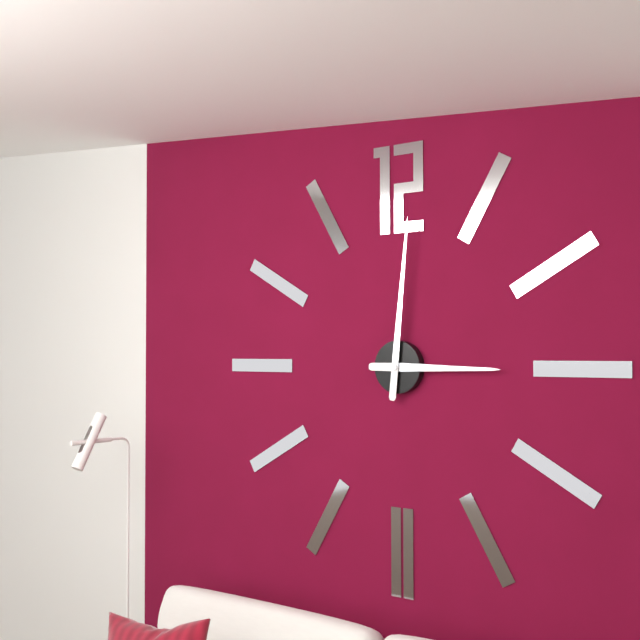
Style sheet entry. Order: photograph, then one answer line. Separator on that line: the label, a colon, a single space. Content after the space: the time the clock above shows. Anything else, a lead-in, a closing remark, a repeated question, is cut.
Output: 3:01
